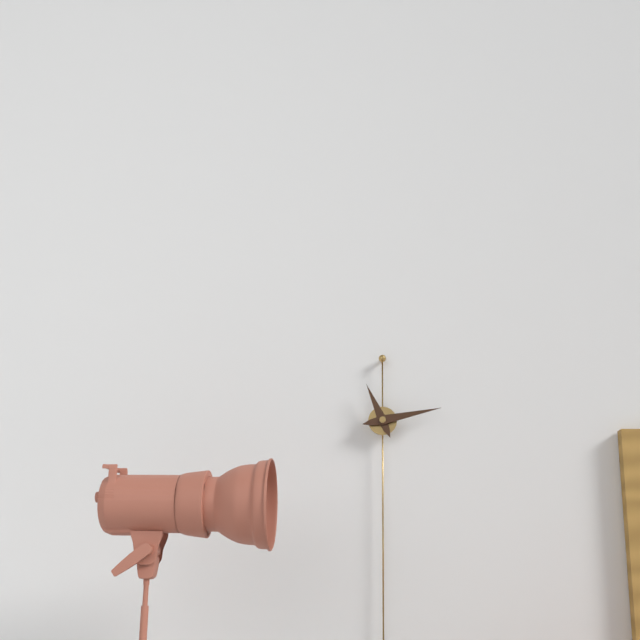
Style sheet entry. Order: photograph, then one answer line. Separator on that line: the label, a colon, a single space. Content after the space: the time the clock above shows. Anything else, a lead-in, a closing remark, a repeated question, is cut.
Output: 11:13
